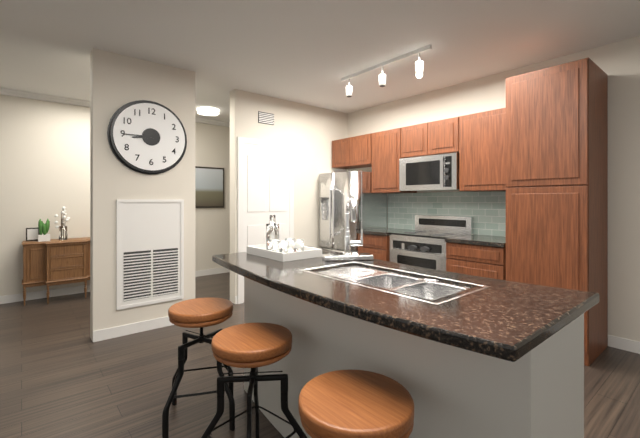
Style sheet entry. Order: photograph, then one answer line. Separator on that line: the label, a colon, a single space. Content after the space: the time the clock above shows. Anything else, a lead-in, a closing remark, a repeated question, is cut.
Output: 8:45
